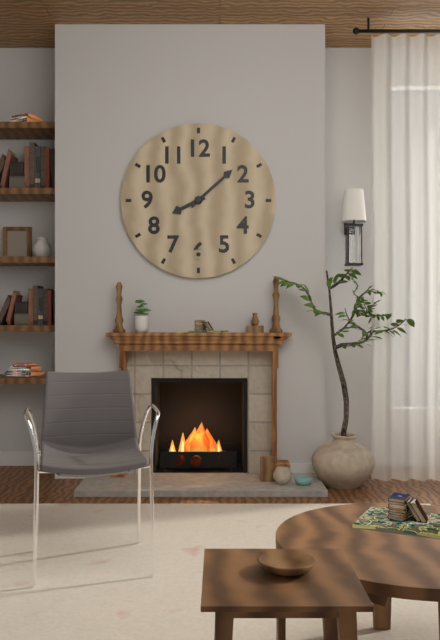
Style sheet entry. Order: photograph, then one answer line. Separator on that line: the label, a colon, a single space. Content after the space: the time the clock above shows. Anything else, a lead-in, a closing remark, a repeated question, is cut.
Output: 8:08
